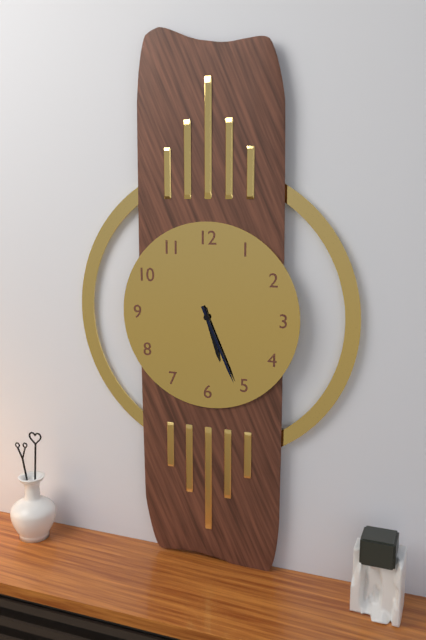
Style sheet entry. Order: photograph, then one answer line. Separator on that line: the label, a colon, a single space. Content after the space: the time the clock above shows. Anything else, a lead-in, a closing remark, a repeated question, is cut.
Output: 5:26
